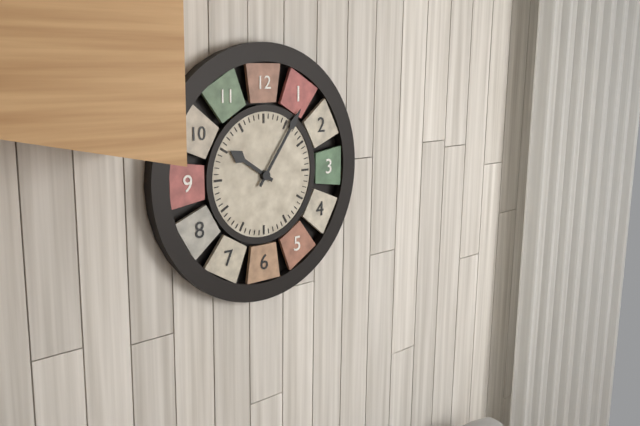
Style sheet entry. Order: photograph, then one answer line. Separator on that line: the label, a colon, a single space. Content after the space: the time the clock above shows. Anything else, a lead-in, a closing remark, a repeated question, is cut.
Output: 10:06
